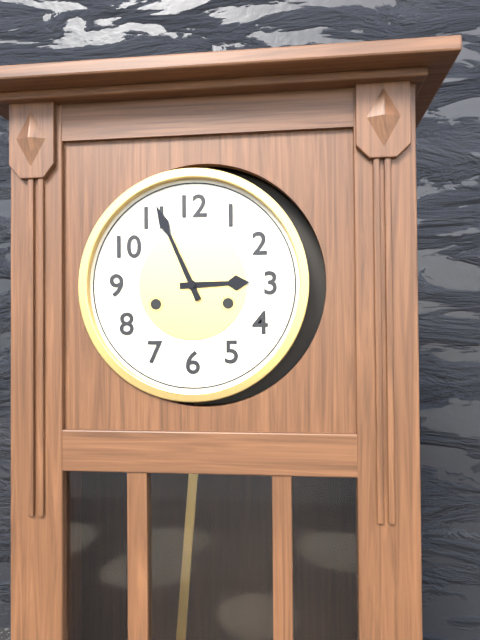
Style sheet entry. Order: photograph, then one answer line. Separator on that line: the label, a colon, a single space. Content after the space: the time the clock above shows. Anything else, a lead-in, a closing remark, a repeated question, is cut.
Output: 2:56
